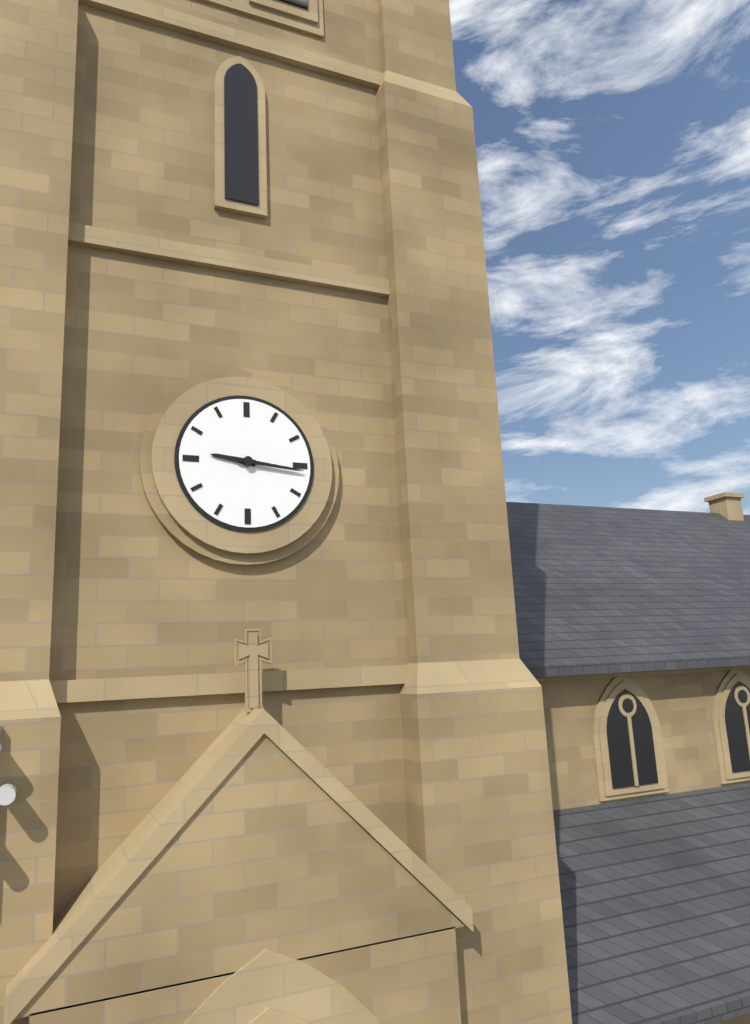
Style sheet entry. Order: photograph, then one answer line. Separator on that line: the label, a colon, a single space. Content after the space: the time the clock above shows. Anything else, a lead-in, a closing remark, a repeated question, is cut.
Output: 9:16
